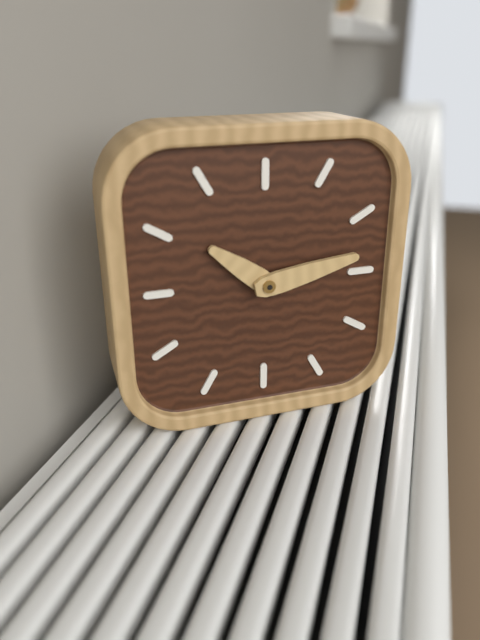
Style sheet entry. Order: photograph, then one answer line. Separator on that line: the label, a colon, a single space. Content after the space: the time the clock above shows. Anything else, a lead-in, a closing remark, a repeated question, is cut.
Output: 10:13
